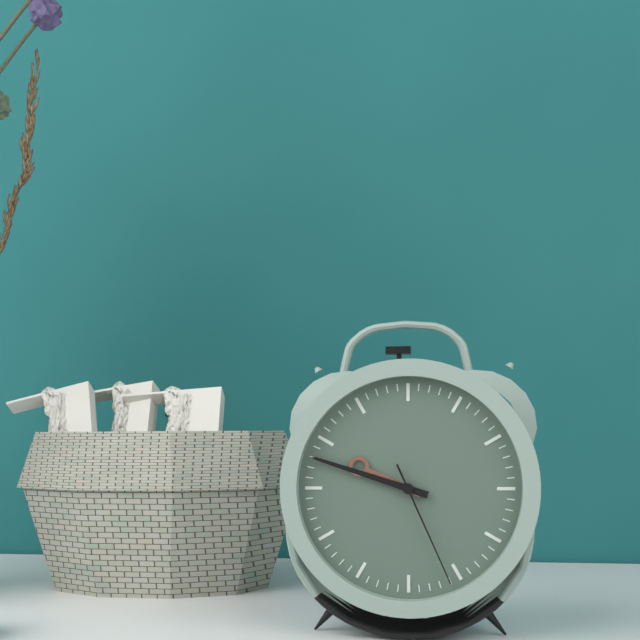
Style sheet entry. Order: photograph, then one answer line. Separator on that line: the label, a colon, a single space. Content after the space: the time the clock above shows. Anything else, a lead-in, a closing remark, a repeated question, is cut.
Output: 9:48:26
